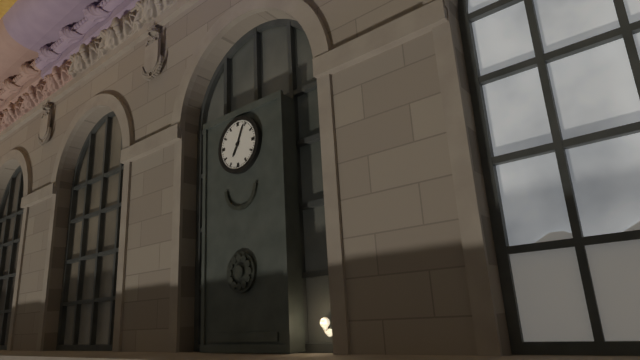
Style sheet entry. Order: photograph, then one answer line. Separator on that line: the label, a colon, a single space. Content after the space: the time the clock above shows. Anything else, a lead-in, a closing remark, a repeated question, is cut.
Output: 7:04
